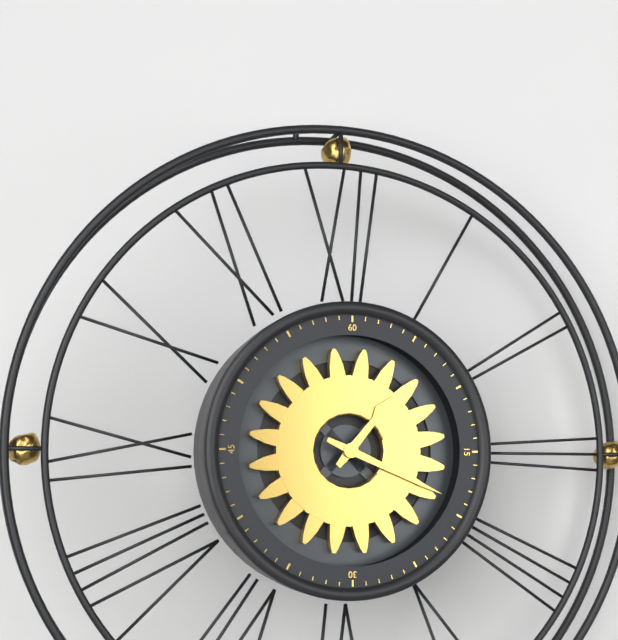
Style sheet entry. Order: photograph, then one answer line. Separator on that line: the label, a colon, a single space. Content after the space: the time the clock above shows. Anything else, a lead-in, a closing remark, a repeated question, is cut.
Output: 1:19
